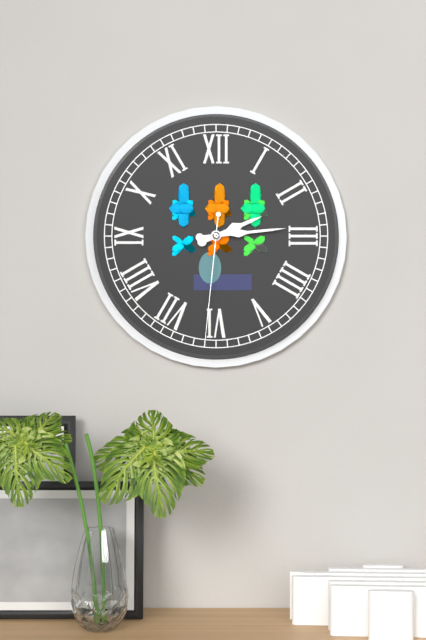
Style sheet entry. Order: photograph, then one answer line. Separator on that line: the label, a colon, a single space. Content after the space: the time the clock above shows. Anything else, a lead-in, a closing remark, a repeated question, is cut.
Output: 2:14:31
